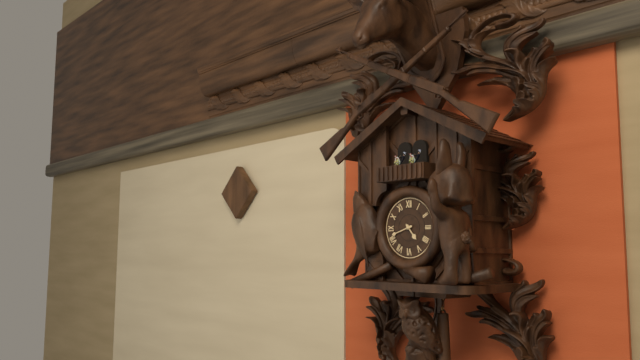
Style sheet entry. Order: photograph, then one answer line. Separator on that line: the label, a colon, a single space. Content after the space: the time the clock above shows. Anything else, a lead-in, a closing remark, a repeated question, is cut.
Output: 4:42
